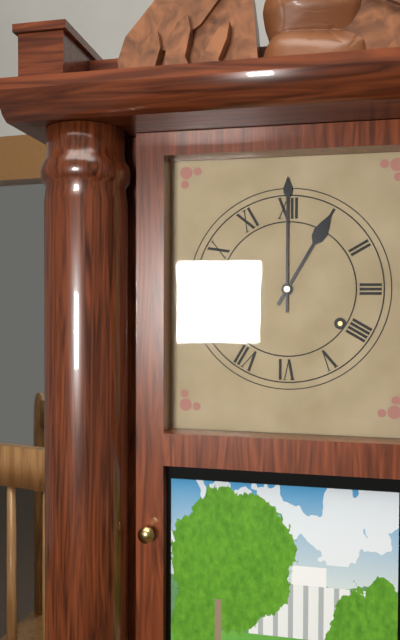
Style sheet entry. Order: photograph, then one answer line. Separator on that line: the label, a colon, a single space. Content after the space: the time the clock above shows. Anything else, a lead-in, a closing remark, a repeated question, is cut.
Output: 1:00
